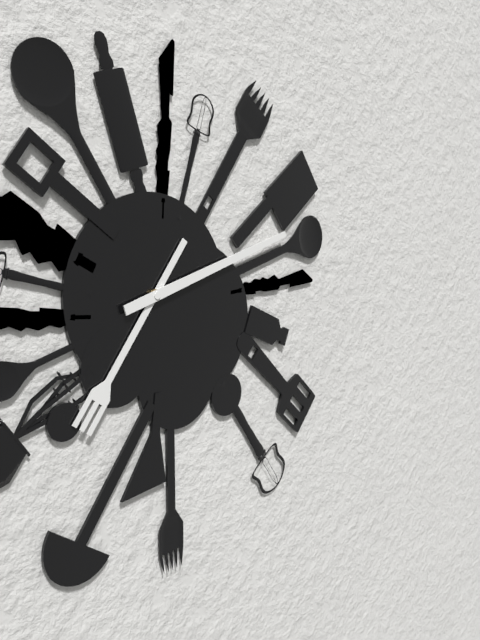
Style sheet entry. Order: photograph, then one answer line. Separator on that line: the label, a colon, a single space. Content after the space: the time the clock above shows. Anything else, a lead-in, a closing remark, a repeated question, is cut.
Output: 7:12
